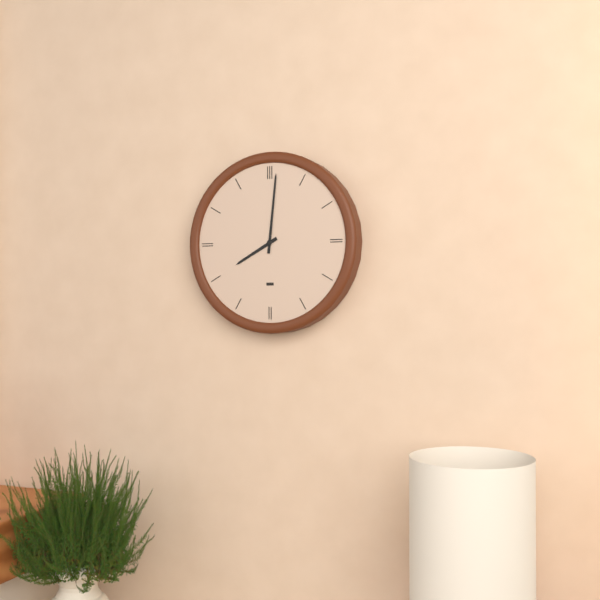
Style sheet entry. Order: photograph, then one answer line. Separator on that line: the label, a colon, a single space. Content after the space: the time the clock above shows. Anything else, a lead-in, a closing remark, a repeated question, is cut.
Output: 8:01
